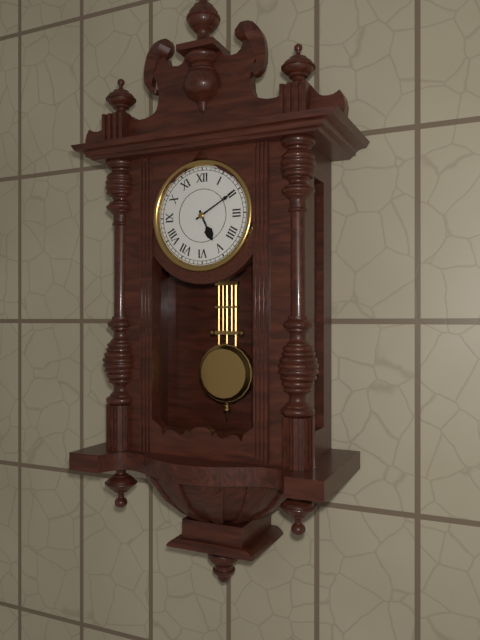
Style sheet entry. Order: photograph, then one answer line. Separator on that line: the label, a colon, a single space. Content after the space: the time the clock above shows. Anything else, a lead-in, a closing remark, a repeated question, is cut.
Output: 5:10
